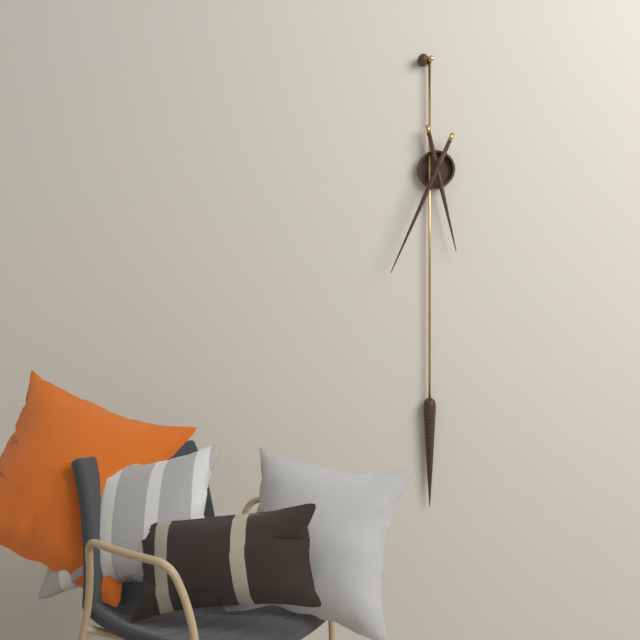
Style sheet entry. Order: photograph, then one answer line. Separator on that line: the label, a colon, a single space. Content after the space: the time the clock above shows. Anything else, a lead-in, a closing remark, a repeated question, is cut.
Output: 5:34
